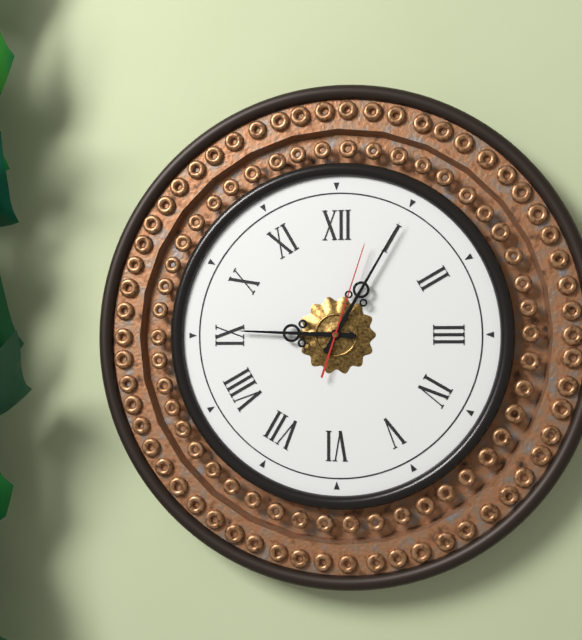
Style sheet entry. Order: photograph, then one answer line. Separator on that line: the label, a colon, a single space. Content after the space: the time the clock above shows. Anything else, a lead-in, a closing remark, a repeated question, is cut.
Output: 9:05:03
